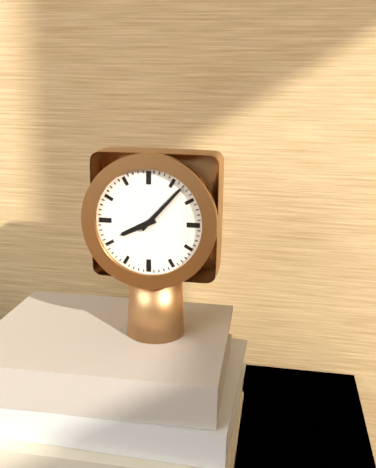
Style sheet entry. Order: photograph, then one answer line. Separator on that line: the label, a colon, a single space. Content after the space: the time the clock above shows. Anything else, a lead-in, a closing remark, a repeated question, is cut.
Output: 8:07
